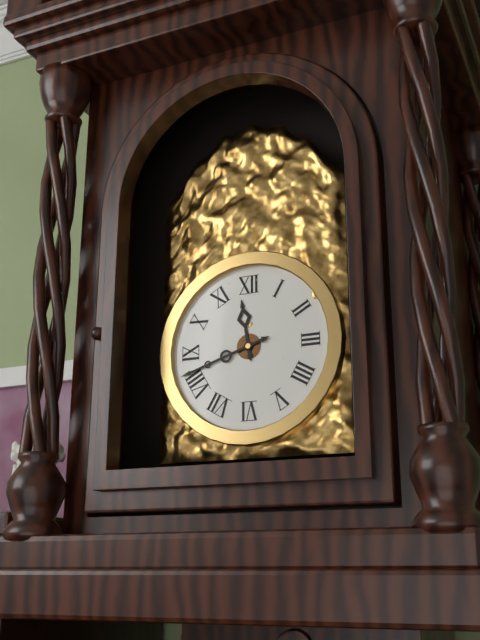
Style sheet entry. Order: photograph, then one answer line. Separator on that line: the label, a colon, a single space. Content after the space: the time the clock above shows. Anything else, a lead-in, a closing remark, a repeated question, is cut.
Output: 11:42
